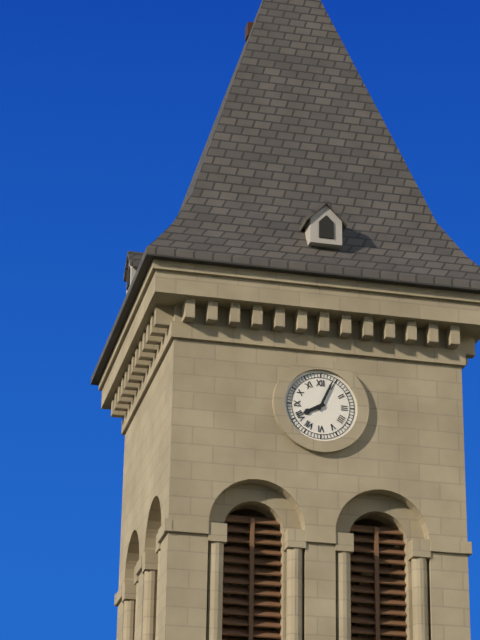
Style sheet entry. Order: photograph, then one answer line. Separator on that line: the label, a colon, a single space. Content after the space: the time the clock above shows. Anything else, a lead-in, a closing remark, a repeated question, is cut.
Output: 8:04
